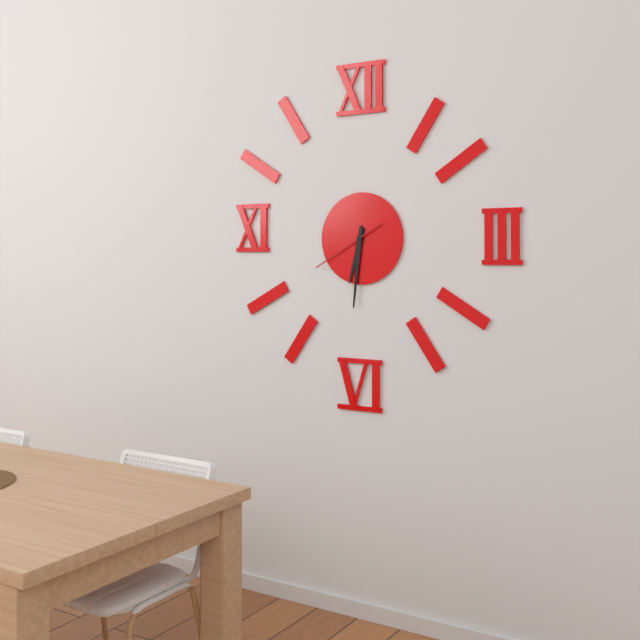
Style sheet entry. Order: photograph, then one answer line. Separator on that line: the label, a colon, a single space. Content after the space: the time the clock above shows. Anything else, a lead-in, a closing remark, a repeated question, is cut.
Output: 6:31:40
